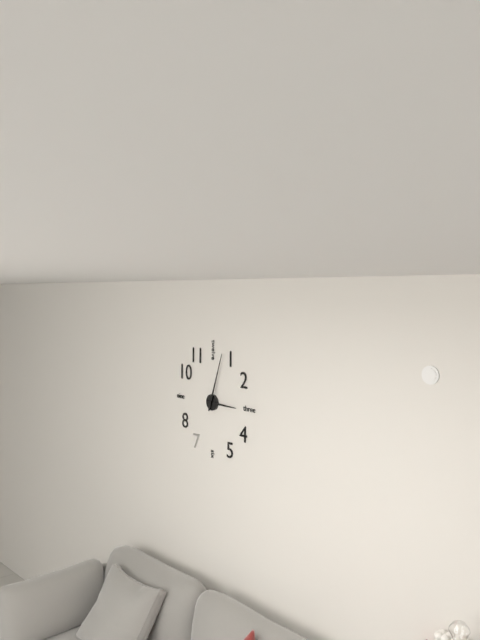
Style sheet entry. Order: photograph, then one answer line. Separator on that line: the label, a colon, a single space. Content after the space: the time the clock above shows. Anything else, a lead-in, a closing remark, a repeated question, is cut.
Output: 3:03
